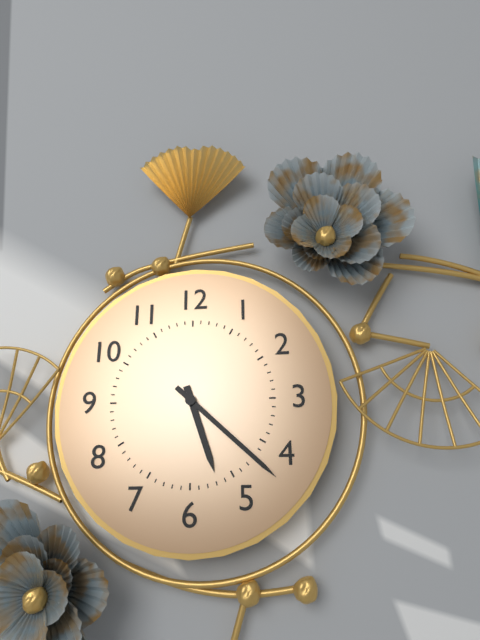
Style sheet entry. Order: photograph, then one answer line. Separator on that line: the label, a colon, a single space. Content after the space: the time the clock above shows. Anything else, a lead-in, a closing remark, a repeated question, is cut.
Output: 5:22
